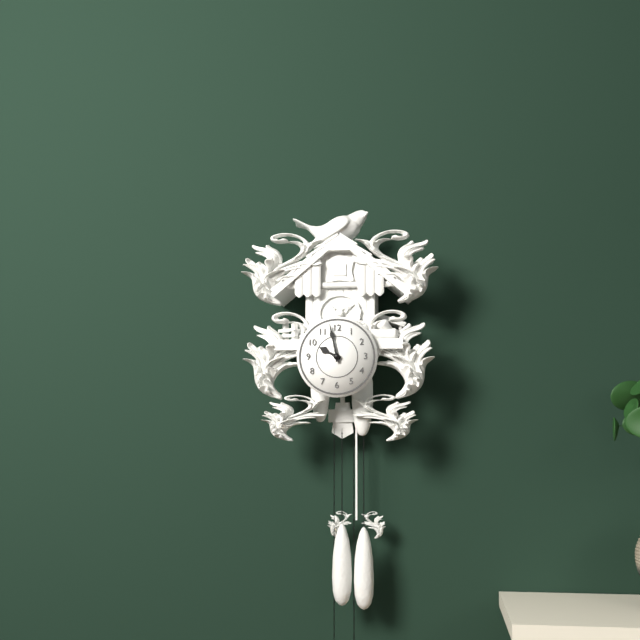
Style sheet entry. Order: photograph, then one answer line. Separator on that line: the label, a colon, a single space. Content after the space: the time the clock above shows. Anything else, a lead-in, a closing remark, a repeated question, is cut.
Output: 9:58
